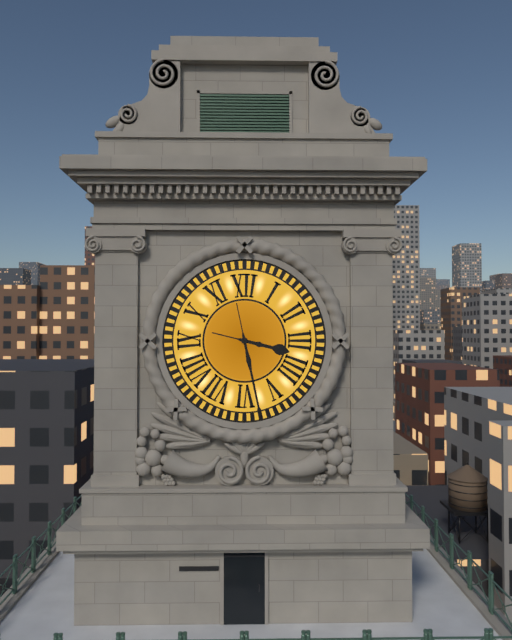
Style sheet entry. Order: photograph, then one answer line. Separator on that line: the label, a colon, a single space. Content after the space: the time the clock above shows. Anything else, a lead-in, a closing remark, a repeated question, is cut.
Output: 3:28
